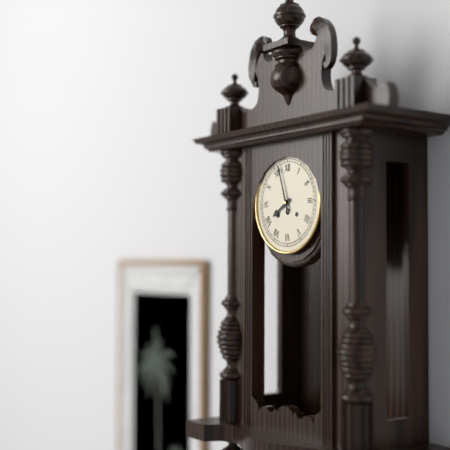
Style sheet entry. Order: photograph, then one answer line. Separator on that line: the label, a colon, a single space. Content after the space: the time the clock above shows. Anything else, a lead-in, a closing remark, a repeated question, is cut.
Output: 7:57
